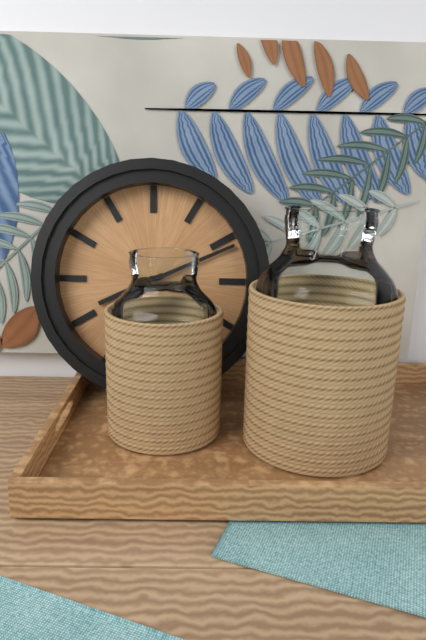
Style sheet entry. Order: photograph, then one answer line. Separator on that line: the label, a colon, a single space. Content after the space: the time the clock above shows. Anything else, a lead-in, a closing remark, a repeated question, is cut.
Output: 8:11
